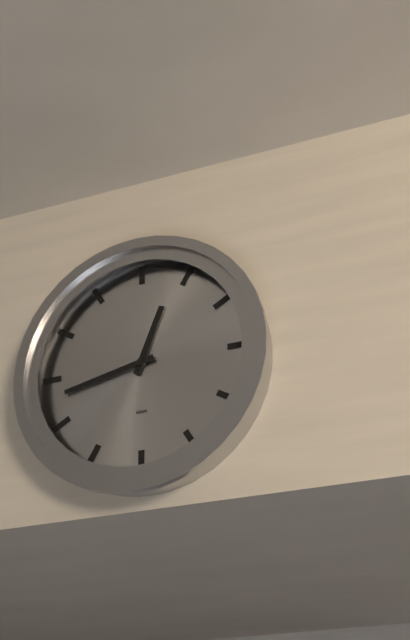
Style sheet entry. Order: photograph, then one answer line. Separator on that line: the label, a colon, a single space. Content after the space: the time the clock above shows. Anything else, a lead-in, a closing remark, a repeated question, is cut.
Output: 12:43
